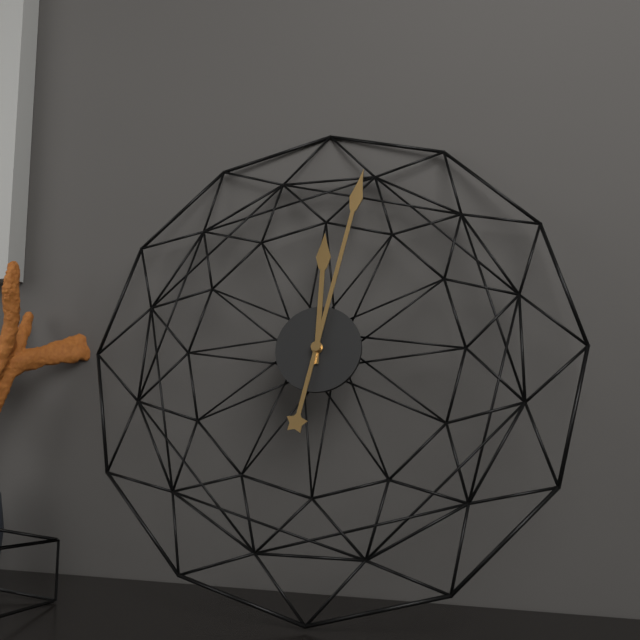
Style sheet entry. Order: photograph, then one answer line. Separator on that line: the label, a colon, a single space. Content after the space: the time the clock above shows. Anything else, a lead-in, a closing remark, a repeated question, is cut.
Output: 12:02
